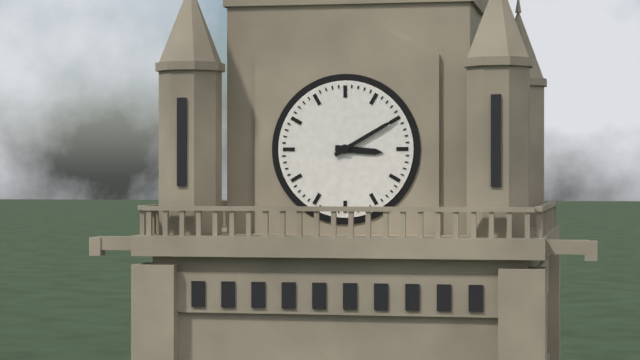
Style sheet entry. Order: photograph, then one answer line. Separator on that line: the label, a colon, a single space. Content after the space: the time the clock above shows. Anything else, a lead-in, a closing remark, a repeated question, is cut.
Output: 3:10
